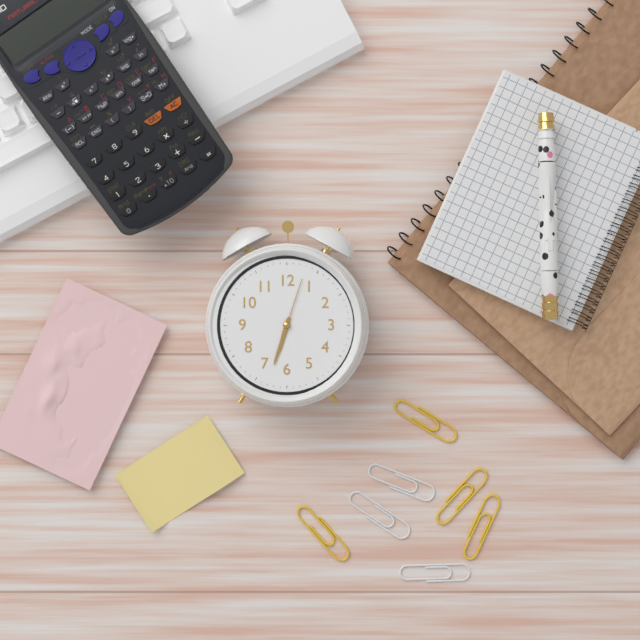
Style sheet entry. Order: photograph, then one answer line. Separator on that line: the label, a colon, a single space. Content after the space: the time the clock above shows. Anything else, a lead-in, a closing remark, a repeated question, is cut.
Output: 6:33:03
